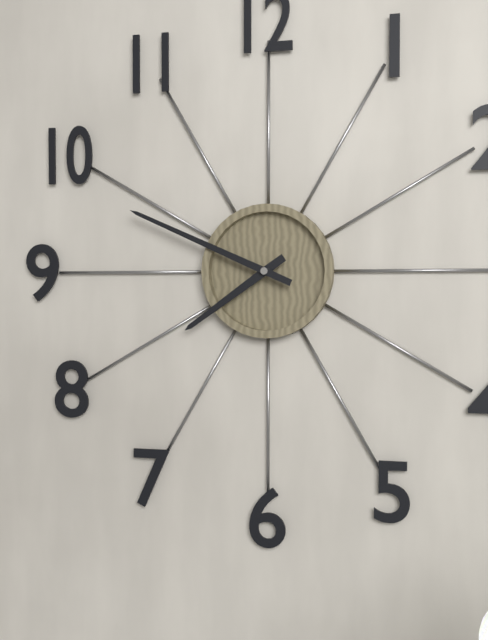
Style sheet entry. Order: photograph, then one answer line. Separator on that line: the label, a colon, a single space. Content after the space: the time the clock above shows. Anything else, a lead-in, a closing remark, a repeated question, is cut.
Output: 7:49
